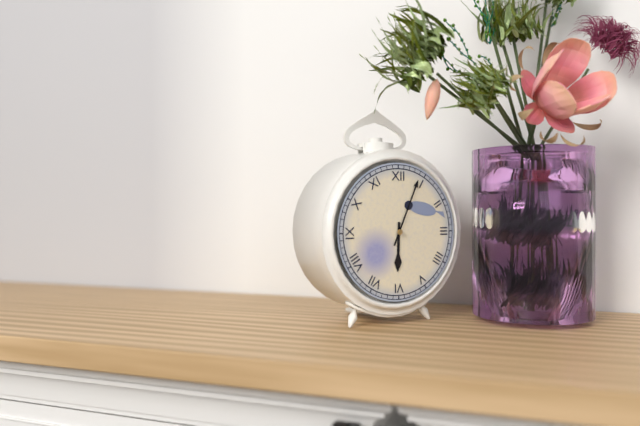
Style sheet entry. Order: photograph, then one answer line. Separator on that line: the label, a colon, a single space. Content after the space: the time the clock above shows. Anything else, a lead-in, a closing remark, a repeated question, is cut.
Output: 6:04
